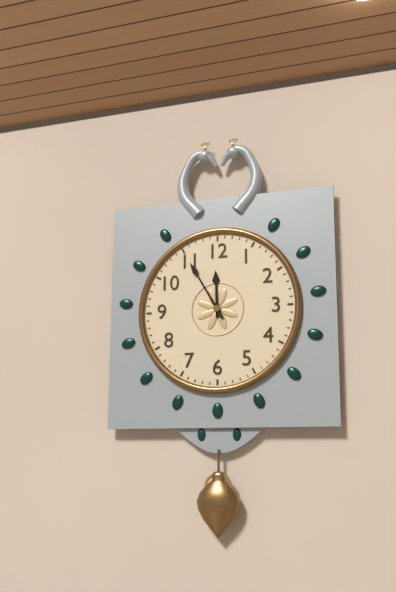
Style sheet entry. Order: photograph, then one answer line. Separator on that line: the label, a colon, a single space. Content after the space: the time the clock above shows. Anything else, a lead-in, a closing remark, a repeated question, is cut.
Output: 11:55
